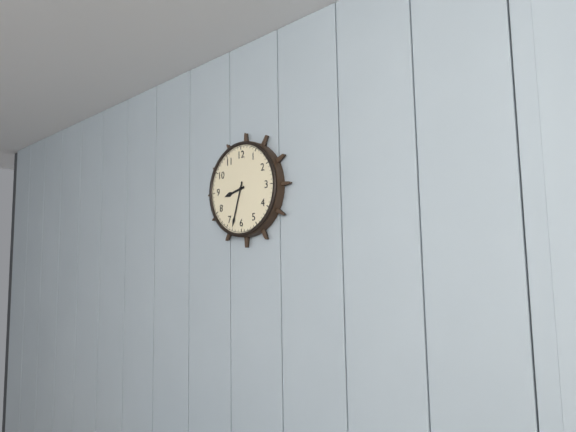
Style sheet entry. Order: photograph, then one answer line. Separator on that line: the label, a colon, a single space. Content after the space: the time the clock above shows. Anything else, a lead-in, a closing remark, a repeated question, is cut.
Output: 8:33
